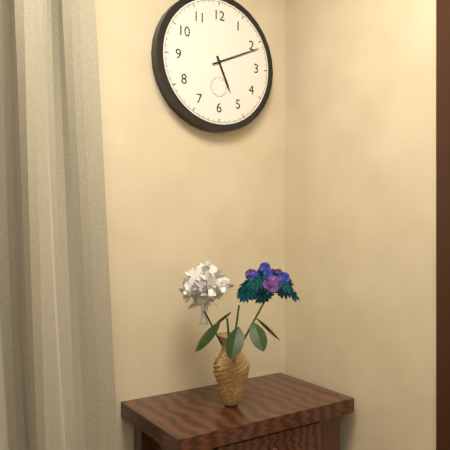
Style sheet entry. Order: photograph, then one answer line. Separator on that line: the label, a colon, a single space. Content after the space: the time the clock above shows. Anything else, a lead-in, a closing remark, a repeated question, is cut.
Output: 5:11
